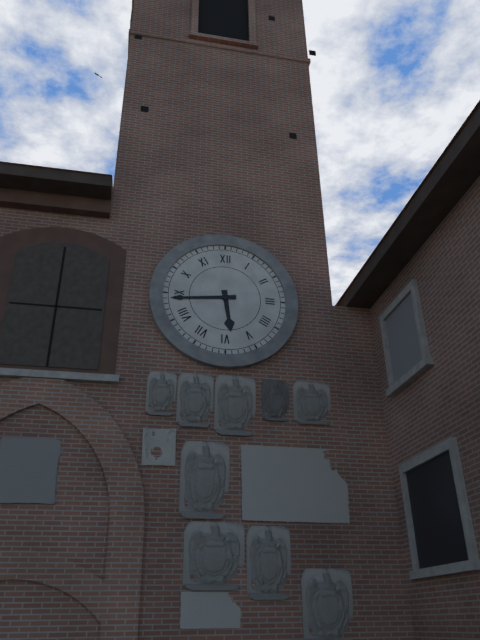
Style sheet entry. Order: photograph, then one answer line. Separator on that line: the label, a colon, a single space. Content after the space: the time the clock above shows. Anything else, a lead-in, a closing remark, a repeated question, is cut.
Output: 5:44
